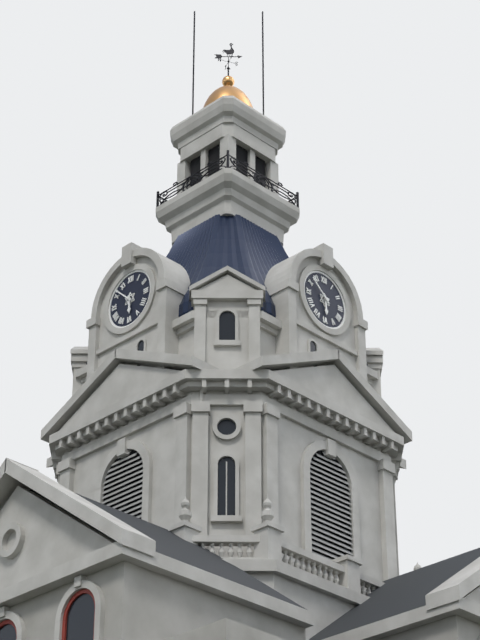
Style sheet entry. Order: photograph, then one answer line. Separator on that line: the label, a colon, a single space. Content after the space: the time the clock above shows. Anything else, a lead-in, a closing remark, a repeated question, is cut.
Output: 5:52
